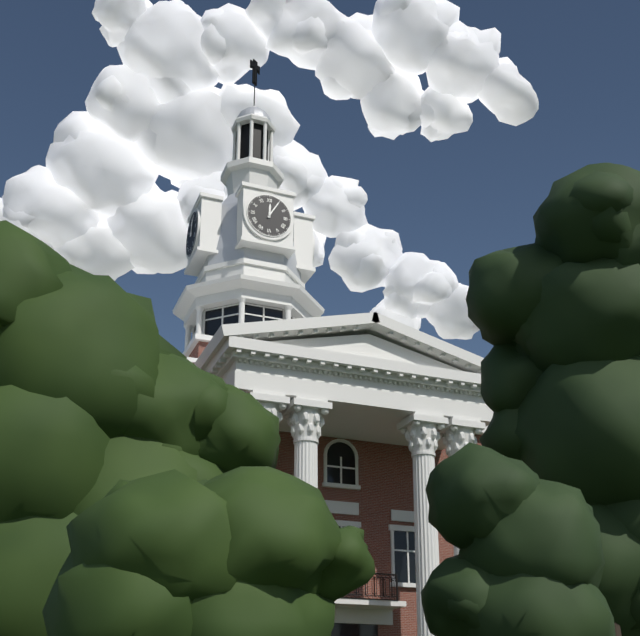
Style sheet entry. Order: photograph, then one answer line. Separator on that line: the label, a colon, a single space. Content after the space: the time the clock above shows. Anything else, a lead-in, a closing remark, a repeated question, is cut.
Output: 12:05
